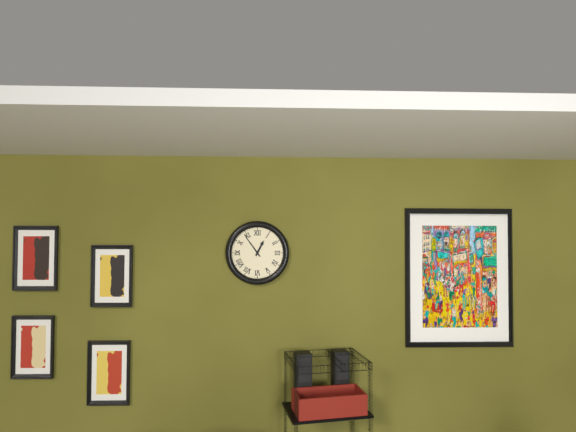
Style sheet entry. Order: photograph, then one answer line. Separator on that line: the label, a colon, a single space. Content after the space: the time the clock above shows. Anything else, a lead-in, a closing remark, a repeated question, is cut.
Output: 12:54
